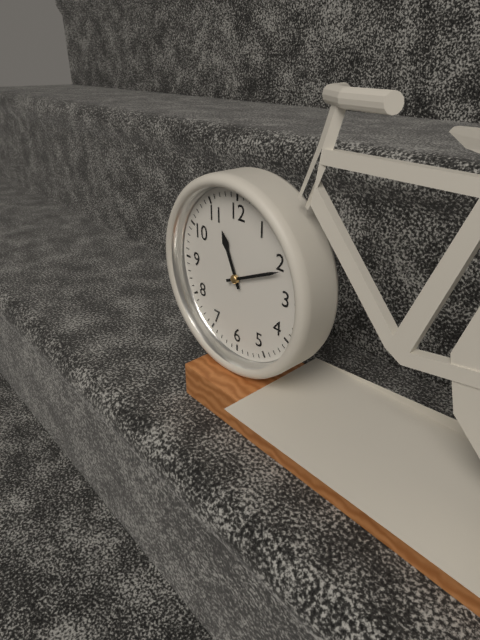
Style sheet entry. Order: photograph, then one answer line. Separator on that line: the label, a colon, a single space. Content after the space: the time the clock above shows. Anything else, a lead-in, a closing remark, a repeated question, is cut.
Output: 11:11
